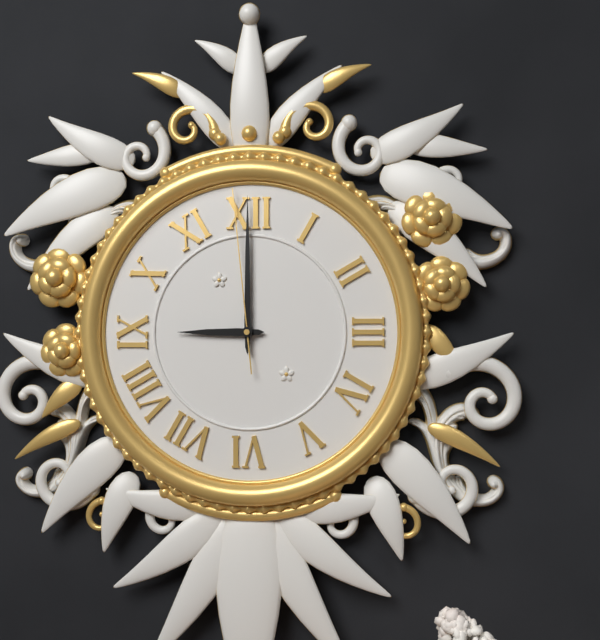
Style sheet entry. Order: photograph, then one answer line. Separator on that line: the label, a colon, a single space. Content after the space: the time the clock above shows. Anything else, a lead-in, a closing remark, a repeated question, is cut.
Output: 9:00:59
